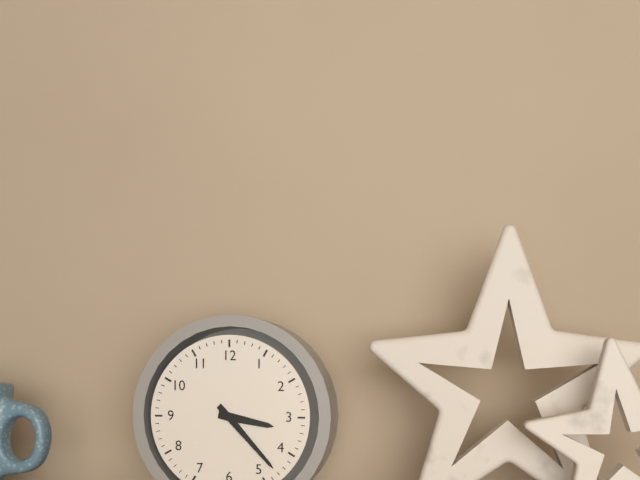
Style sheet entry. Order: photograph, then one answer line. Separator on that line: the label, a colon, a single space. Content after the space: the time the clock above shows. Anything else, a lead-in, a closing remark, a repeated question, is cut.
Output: 3:23
